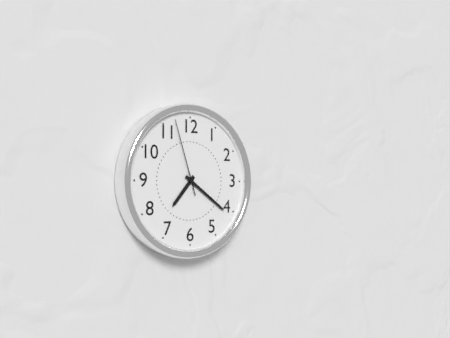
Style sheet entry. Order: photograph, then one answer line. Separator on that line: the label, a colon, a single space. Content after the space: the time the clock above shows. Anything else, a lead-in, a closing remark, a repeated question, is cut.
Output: 7:21:57
